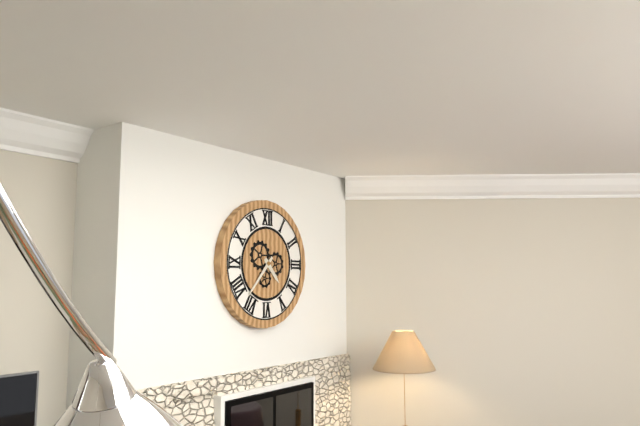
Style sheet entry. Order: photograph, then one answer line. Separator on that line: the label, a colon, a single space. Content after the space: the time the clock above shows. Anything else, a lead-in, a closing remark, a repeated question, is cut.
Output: 4:37
